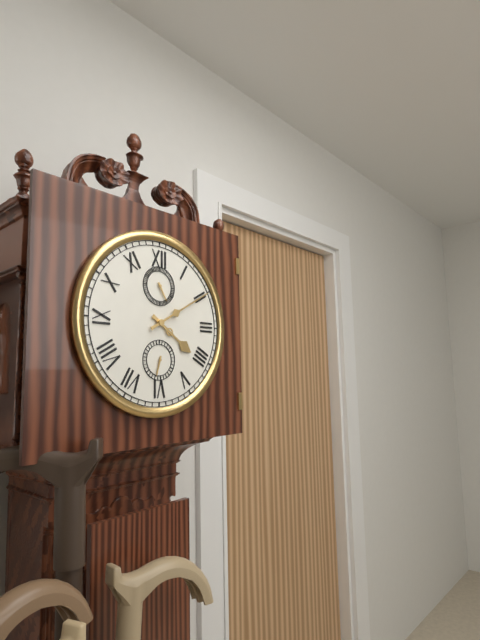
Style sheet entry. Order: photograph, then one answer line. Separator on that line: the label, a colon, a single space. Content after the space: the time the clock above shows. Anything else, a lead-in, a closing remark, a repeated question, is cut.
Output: 4:10
